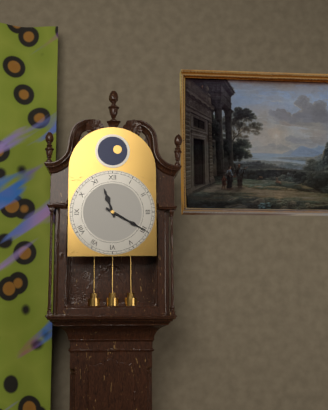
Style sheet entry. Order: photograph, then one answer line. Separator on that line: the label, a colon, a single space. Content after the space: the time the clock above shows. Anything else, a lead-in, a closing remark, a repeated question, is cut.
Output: 11:20
